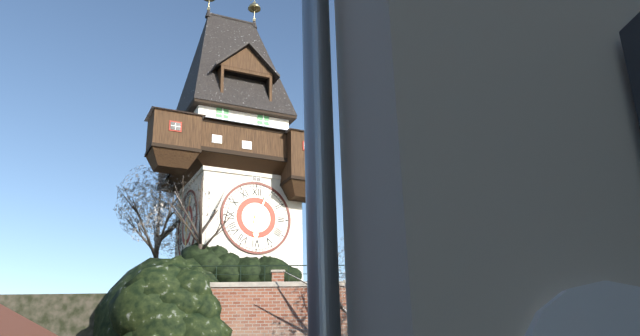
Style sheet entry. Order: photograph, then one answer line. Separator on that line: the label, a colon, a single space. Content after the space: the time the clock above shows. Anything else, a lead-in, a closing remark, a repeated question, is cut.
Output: 6:04
